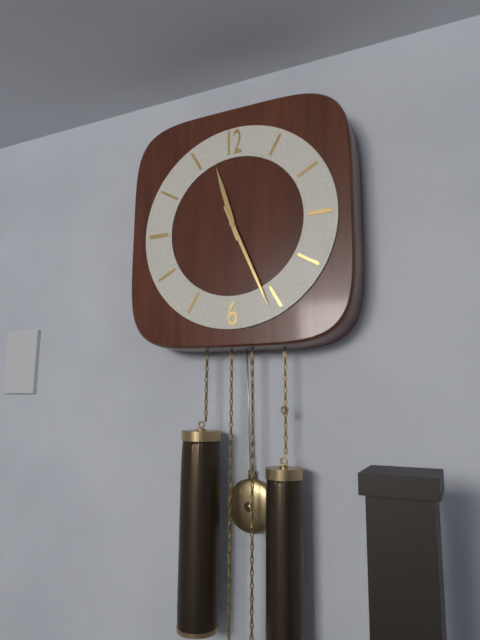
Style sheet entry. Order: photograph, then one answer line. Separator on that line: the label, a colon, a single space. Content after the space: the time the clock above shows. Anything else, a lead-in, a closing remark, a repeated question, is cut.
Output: 11:26
